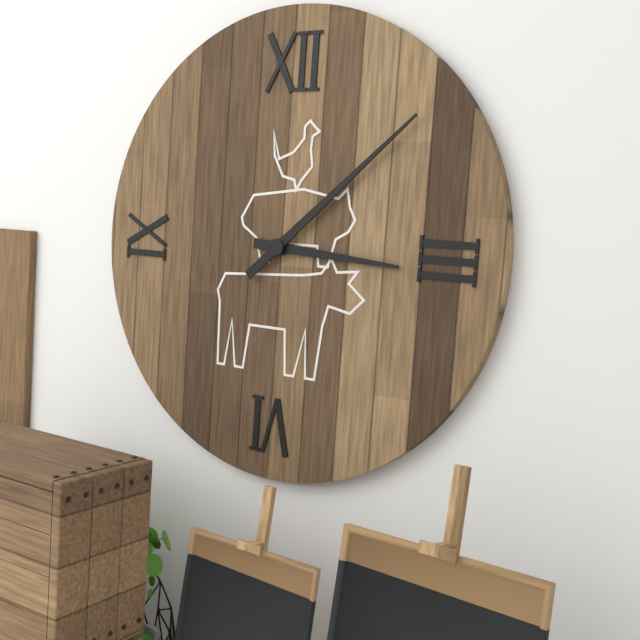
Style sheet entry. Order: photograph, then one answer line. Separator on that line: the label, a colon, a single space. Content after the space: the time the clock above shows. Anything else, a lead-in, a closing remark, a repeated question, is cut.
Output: 3:08
